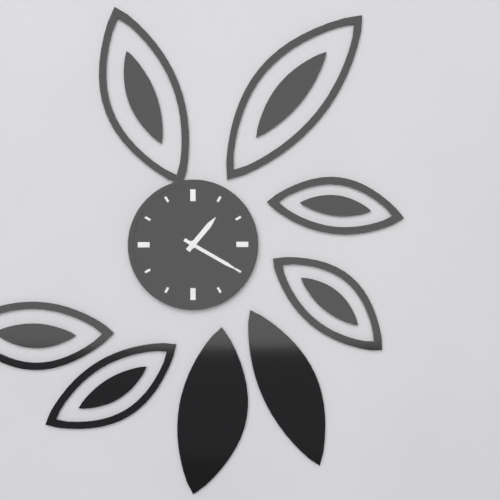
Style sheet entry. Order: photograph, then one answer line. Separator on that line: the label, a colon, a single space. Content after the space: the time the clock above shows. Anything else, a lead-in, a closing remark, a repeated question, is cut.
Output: 1:20
